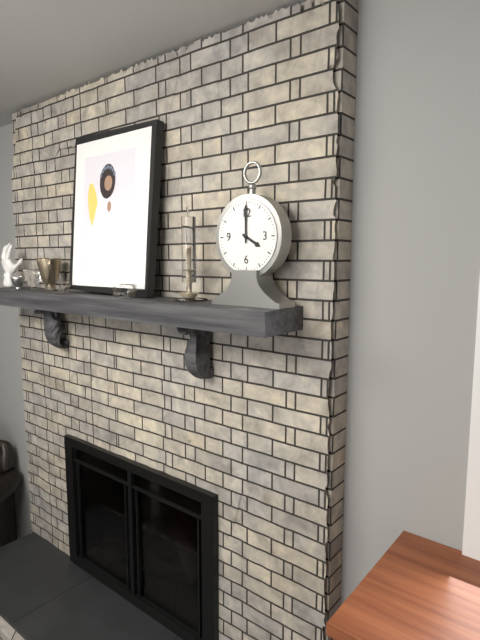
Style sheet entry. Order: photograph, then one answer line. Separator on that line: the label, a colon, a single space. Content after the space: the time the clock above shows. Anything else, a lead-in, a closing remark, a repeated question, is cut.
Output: 4:00
